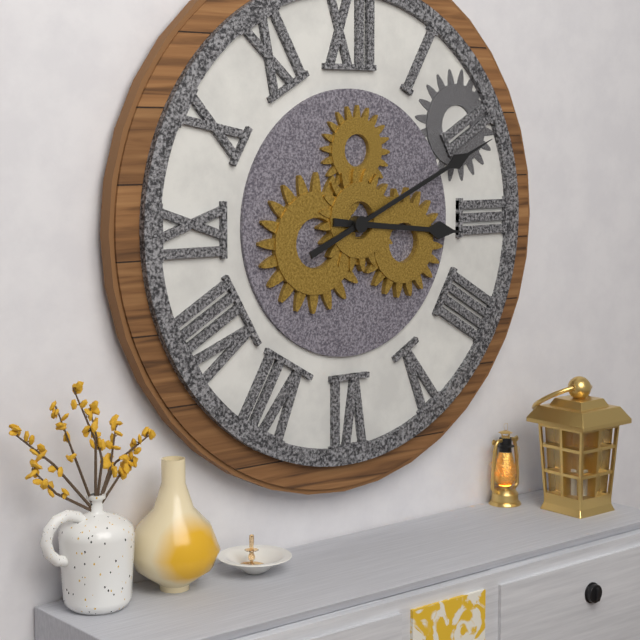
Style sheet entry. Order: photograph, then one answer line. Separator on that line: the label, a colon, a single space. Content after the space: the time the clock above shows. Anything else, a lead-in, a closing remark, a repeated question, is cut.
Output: 3:11
